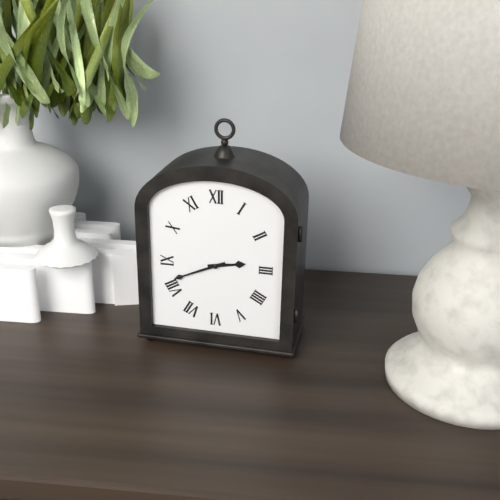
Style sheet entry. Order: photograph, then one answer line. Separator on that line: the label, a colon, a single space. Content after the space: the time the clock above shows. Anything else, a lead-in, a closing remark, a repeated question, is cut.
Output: 2:41
